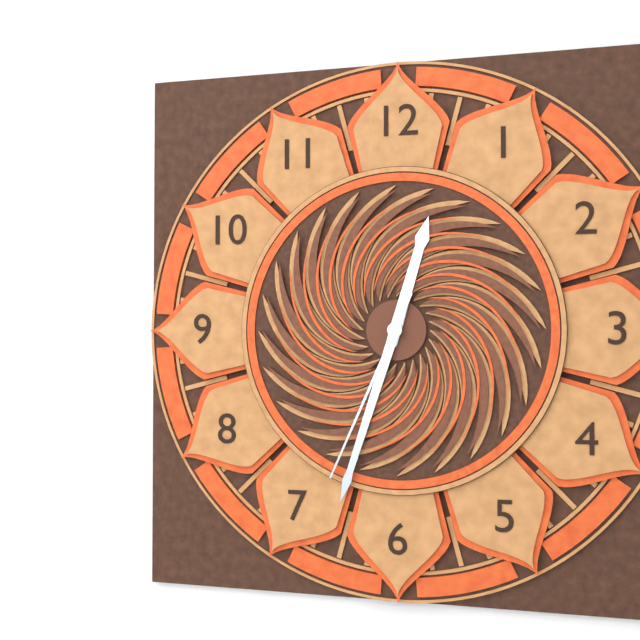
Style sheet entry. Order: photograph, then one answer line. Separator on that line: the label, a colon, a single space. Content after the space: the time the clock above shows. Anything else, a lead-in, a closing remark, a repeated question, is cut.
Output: 12:33:34
